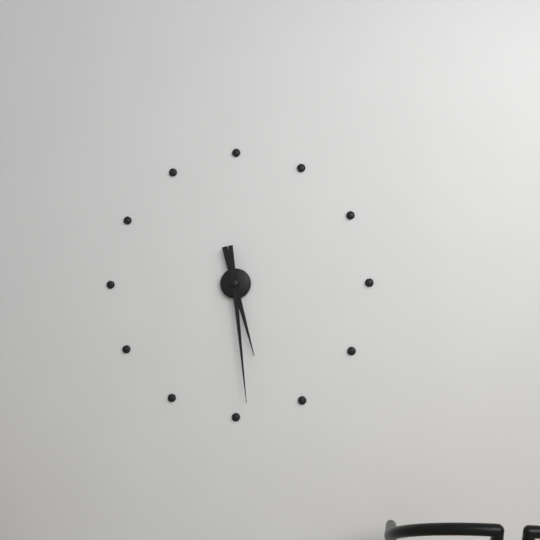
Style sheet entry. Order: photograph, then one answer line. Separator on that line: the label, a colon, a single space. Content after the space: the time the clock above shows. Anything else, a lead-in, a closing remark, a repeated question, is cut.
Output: 5:29
